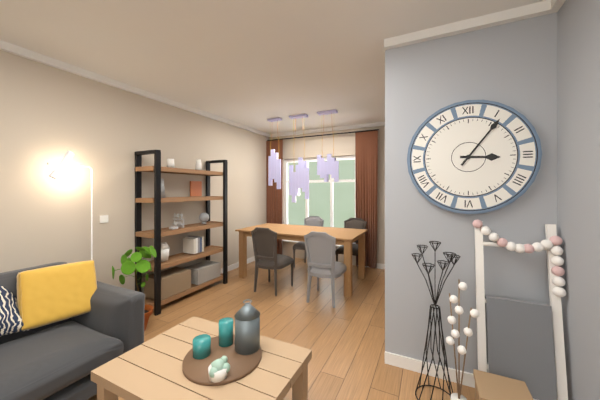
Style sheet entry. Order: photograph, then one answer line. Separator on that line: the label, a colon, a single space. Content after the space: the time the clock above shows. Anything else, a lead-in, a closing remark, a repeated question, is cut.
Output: 3:06
